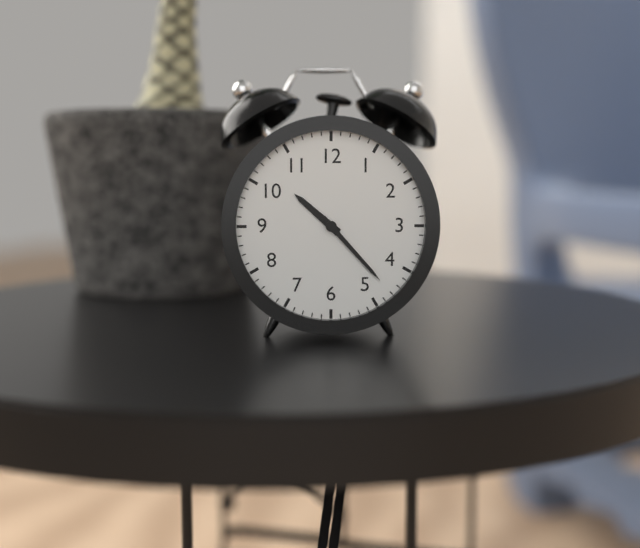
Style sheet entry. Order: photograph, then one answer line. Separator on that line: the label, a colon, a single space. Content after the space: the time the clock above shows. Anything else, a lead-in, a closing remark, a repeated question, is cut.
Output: 10:23
